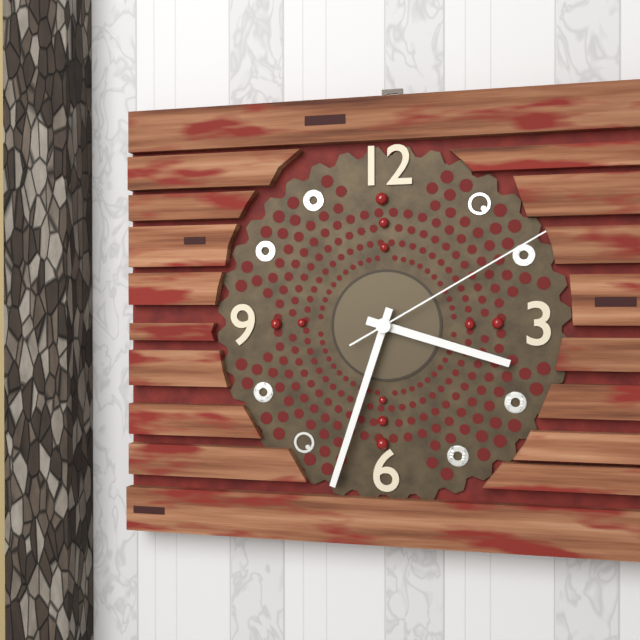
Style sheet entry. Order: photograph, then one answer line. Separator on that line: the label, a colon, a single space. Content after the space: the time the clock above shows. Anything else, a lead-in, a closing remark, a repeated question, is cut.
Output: 3:33:10
